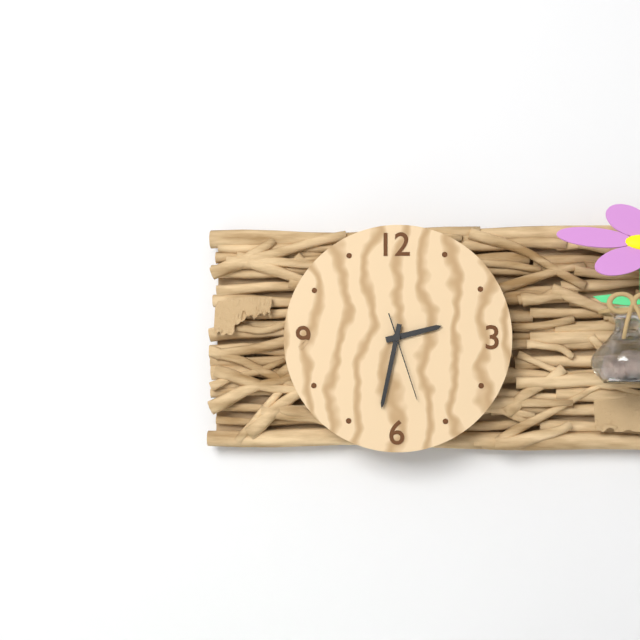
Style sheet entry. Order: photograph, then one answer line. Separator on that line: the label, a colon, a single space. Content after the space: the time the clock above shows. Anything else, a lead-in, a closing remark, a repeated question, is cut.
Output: 2:32:27
